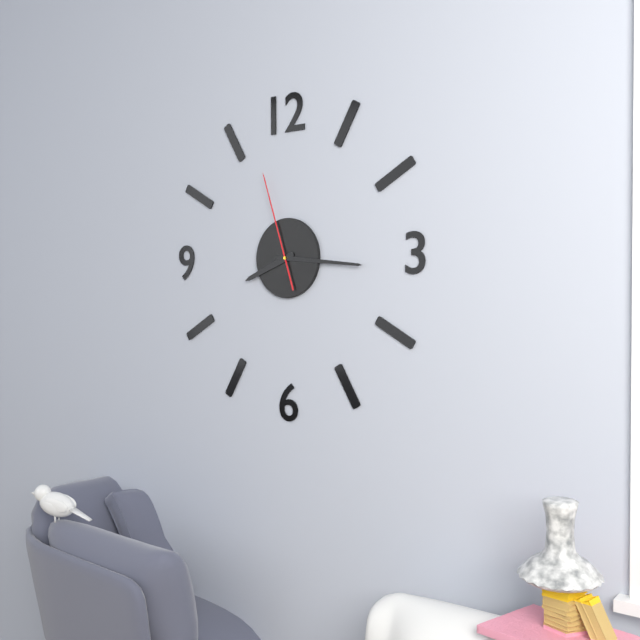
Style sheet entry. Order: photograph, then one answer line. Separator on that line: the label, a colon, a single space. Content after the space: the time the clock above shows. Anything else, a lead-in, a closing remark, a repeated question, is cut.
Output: 8:16:57
